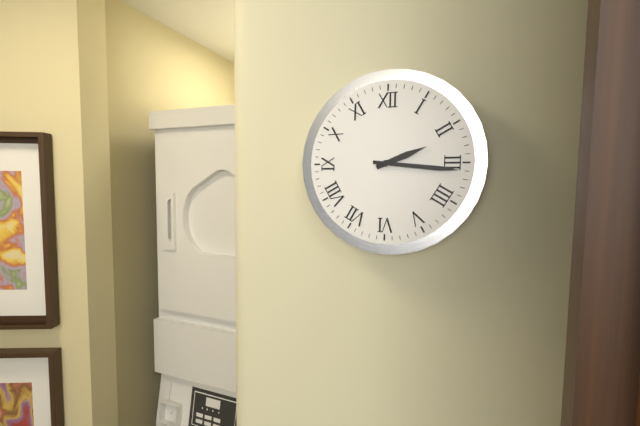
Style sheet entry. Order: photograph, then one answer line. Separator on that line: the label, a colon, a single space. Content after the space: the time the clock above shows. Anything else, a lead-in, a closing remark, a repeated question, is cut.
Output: 2:16
